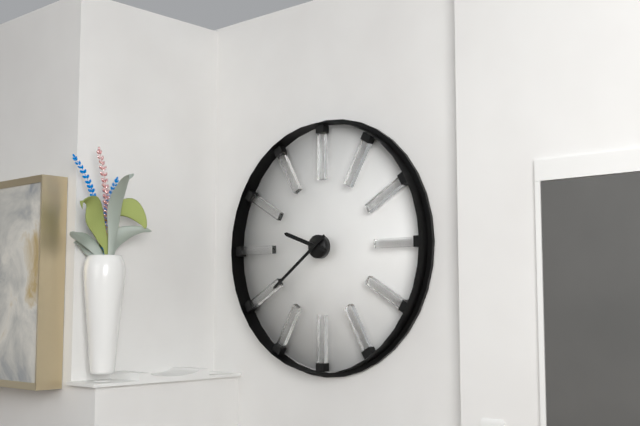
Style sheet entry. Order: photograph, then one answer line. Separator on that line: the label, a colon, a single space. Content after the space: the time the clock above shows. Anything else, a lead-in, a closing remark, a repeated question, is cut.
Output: 9:39
